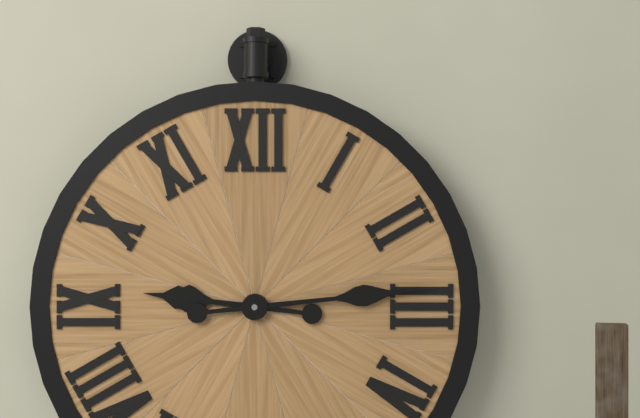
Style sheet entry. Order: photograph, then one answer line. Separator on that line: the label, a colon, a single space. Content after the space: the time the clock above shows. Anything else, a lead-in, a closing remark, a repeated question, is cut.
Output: 9:14
